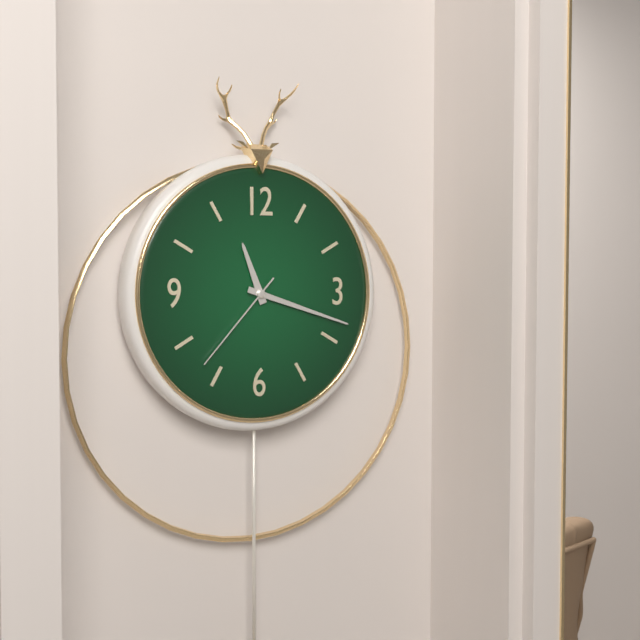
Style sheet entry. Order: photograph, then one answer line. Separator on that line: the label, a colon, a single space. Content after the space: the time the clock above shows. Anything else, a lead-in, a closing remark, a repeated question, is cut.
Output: 11:18:37
